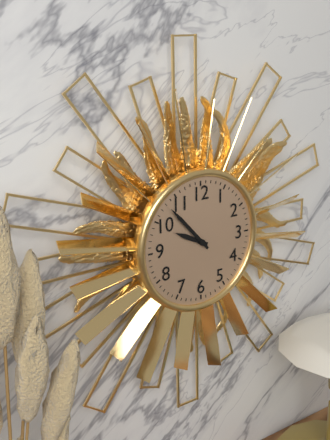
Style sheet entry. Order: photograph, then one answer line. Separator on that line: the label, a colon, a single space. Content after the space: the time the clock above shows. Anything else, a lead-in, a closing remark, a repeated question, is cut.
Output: 9:53
